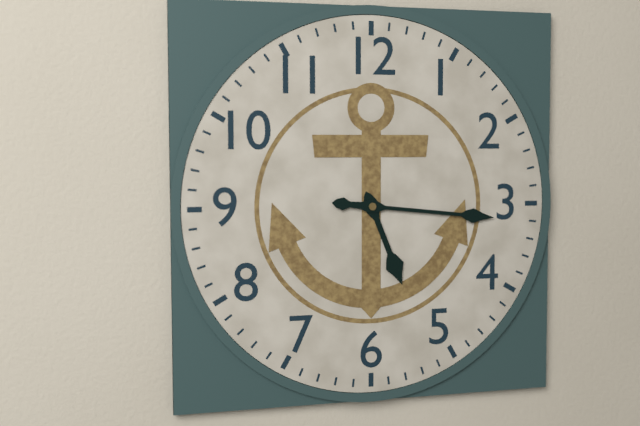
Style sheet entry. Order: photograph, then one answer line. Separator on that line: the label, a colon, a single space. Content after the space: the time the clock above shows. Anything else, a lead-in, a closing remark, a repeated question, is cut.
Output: 5:16
